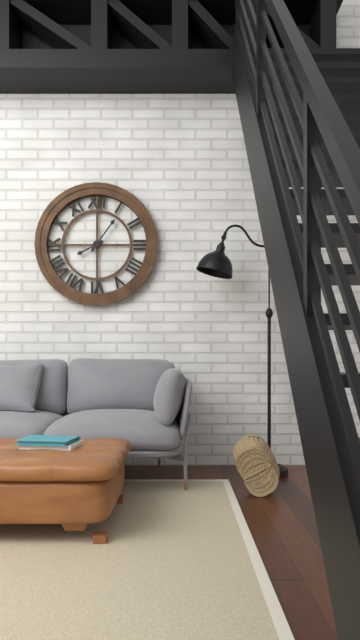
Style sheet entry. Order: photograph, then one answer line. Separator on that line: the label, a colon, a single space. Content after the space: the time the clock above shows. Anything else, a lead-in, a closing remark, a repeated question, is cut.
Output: 8:06
